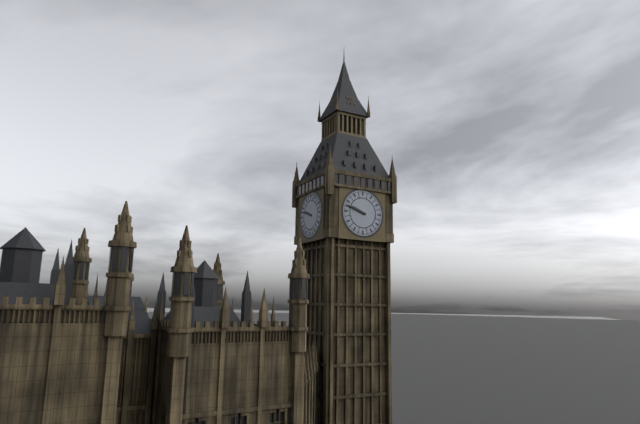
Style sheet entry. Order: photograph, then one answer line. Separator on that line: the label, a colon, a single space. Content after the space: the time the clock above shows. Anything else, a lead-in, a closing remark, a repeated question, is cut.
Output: 9:48
